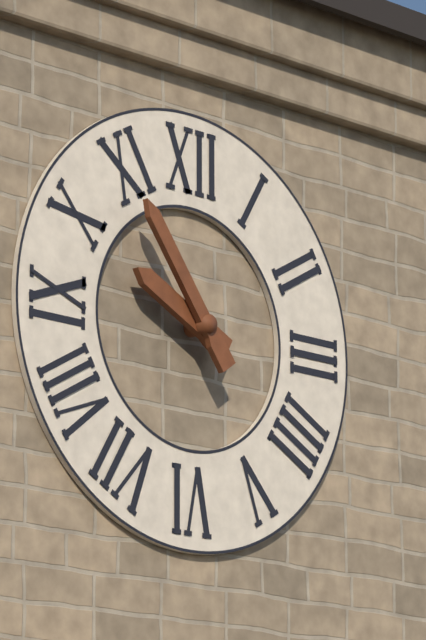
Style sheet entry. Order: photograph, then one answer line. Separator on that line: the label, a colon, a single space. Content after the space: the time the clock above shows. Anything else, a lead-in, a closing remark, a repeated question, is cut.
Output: 9:54
